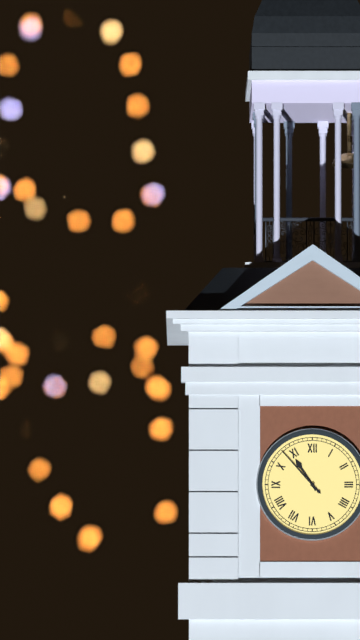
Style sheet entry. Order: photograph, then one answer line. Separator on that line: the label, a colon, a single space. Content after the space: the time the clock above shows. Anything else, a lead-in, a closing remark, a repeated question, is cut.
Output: 10:53
